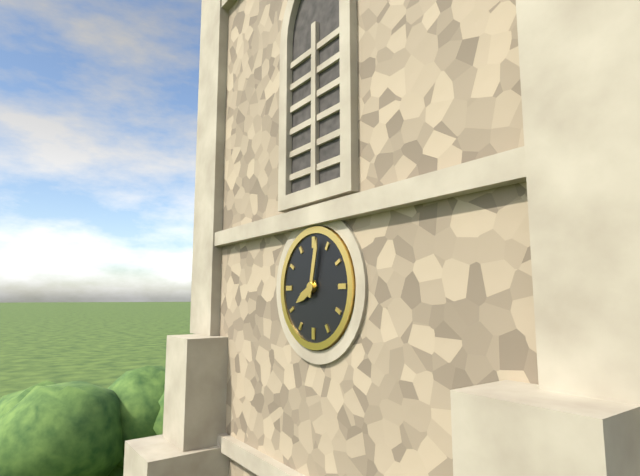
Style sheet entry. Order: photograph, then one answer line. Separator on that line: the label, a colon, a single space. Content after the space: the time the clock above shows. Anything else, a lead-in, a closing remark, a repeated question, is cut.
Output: 8:02
